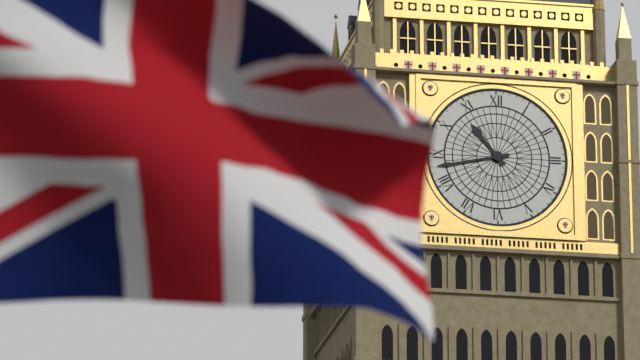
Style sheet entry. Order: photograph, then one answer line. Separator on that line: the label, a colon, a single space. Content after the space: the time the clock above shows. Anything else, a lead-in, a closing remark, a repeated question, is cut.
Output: 10:43
